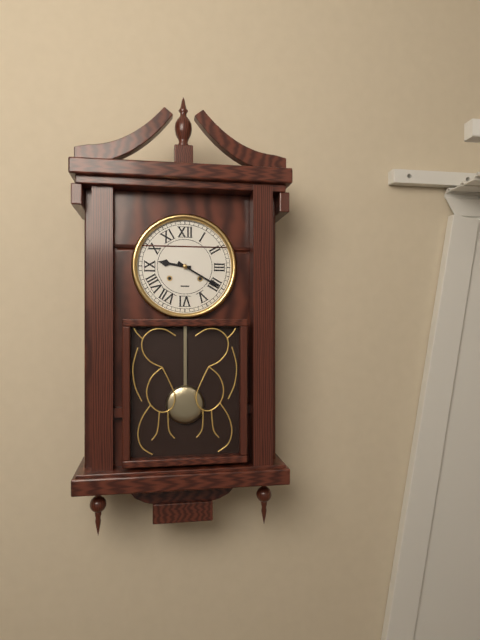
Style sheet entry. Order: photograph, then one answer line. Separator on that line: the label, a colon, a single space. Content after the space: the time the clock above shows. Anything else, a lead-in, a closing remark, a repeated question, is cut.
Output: 9:20
